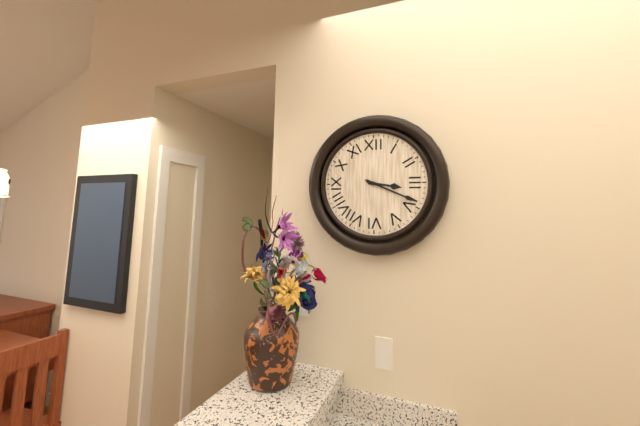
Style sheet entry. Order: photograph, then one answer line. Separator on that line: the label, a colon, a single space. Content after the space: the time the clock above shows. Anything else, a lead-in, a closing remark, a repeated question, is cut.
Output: 3:19
